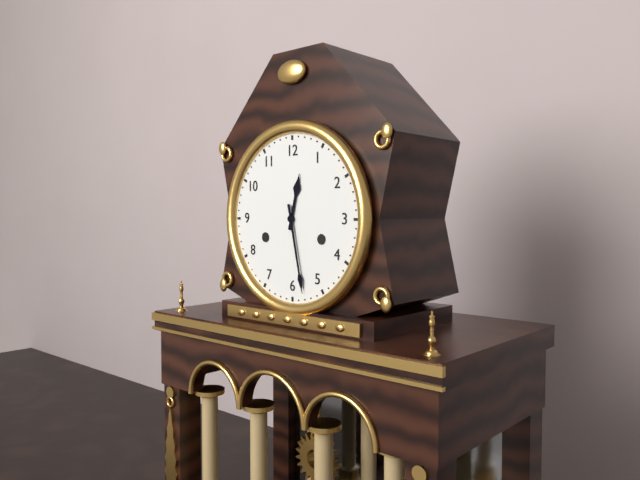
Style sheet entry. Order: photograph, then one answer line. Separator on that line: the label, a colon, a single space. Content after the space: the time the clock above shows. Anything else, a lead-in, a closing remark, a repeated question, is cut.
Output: 12:28
